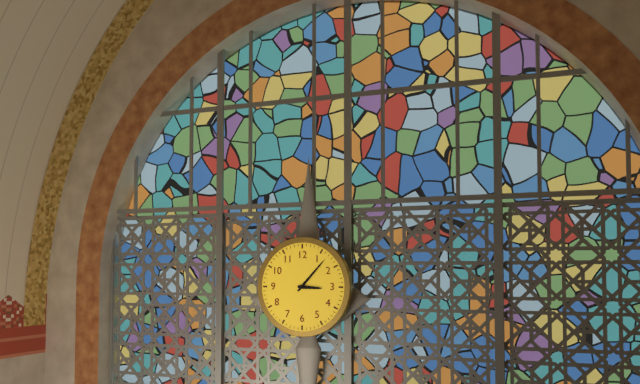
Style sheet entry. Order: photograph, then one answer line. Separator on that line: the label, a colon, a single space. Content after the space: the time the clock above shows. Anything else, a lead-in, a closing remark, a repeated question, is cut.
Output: 3:07
